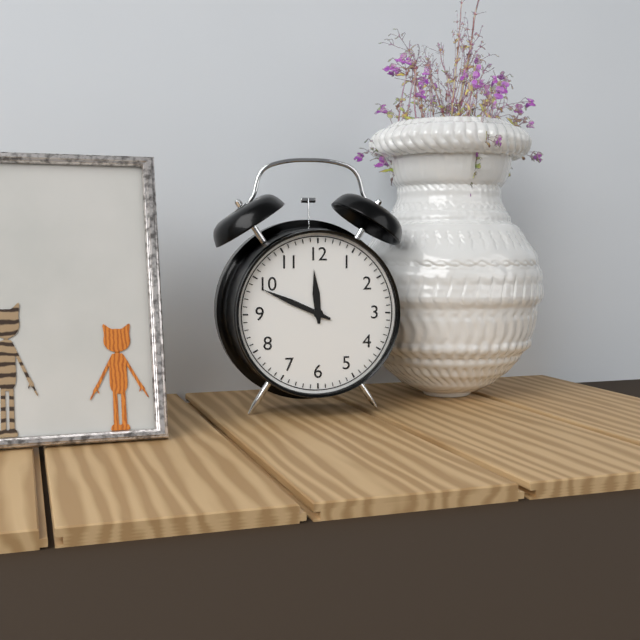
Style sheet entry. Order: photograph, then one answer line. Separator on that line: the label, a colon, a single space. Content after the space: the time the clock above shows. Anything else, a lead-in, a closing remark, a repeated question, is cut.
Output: 11:49
